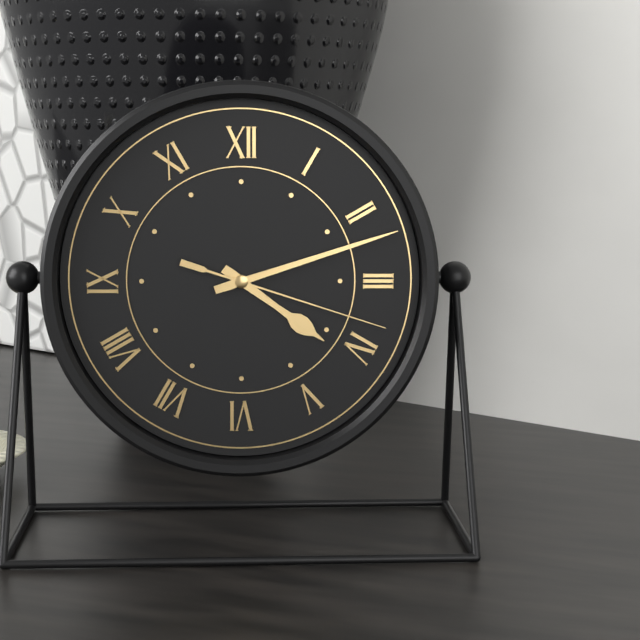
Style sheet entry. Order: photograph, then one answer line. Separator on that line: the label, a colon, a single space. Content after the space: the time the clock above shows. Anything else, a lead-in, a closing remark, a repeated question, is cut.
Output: 4:12:18
